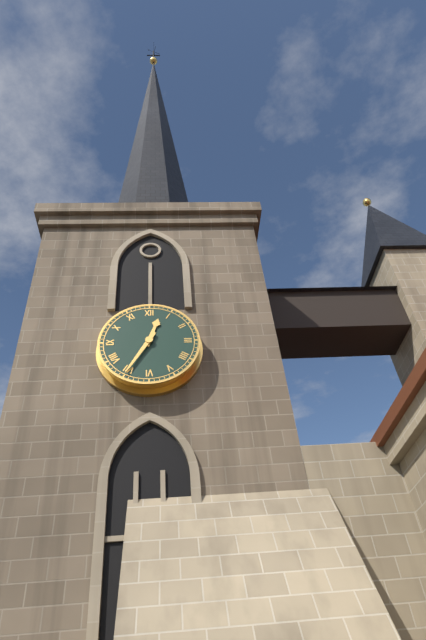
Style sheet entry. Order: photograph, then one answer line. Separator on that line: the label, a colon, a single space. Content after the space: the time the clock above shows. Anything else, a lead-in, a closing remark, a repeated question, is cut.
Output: 12:35
